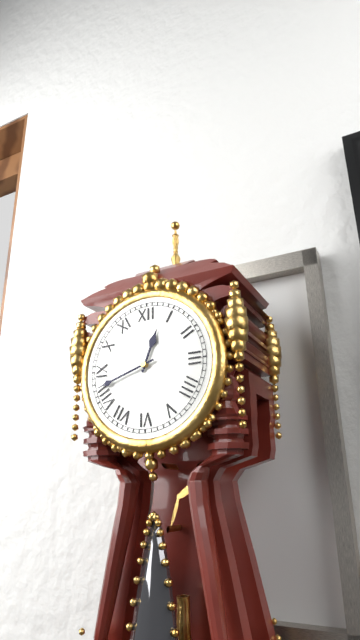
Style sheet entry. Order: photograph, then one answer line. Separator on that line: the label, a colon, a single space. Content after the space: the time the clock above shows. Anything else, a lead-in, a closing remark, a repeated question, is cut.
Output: 12:42
